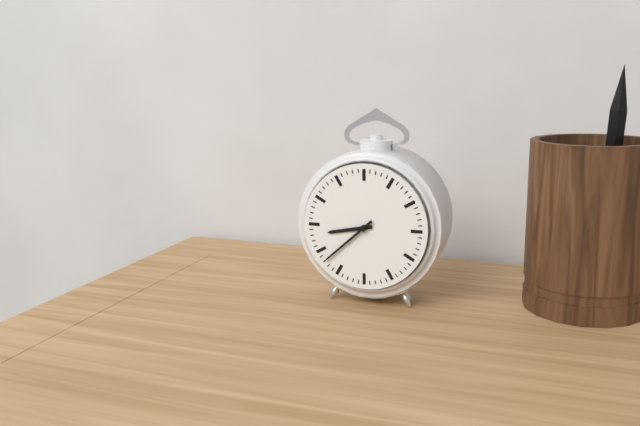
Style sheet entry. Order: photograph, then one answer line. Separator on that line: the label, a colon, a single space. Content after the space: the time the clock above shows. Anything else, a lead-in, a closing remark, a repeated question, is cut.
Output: 8:38
